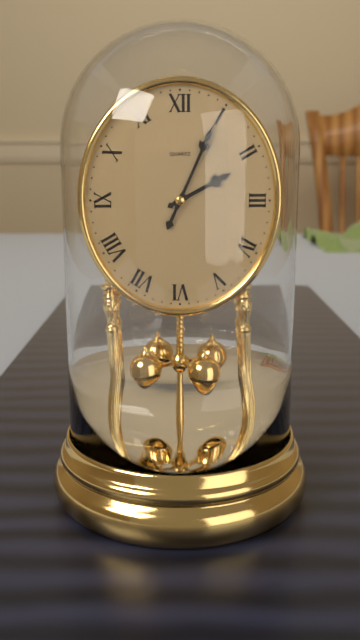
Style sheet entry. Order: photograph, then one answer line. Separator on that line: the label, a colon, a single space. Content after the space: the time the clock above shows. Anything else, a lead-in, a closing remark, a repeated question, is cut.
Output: 2:04
